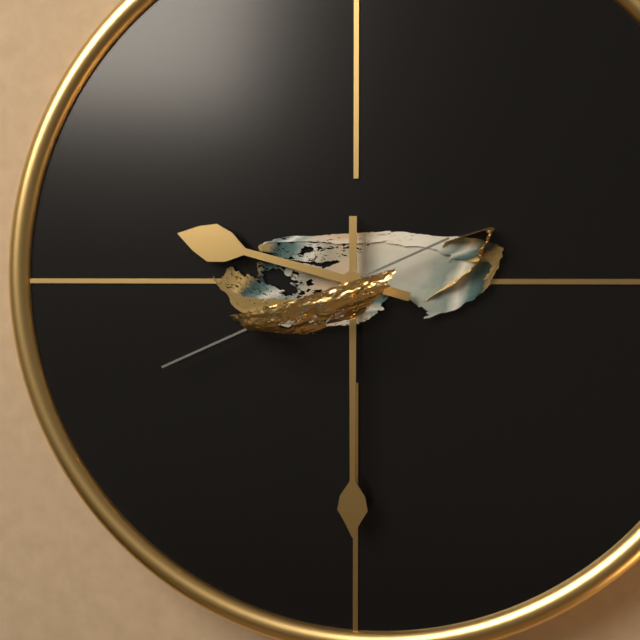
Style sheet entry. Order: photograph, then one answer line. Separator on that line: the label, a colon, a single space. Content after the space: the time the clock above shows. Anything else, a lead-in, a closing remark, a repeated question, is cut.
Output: 9:30:41
